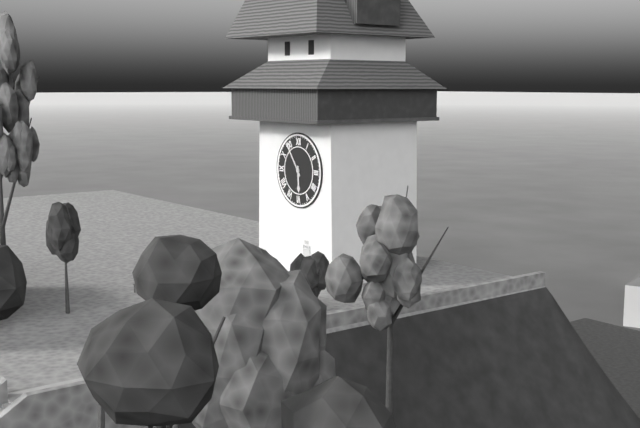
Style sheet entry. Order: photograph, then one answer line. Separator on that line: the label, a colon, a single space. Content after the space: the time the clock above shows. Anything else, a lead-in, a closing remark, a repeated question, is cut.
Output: 5:54
